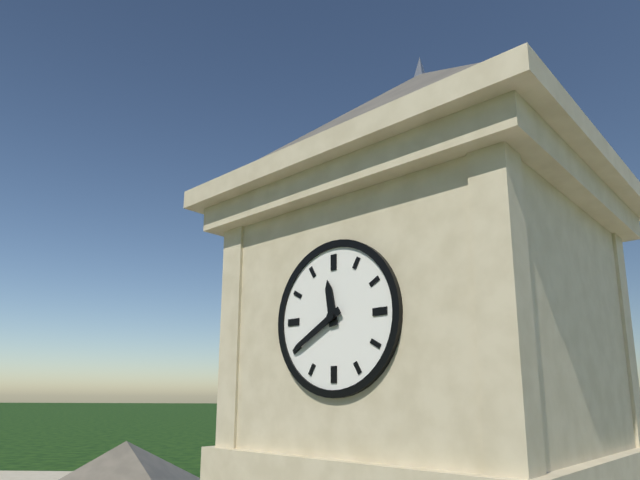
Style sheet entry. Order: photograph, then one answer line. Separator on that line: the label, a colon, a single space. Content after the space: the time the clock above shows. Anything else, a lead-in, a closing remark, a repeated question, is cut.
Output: 11:40
